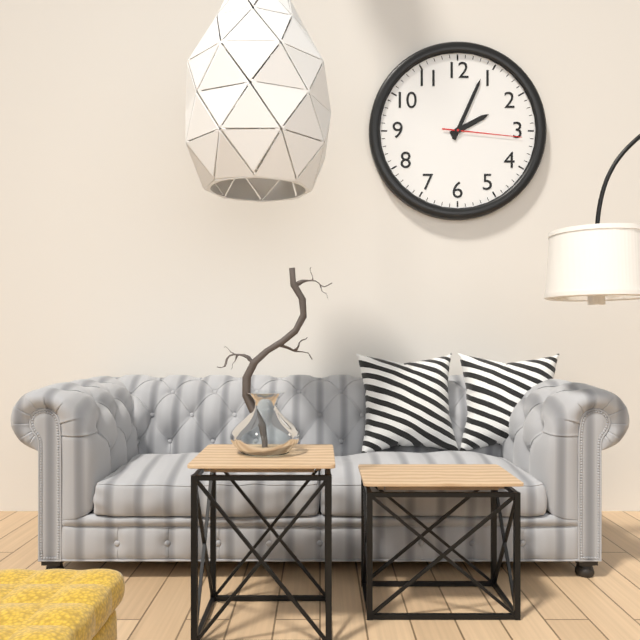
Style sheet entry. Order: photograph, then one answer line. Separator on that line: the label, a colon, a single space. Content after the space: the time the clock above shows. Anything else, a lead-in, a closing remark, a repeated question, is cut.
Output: 2:04:16
